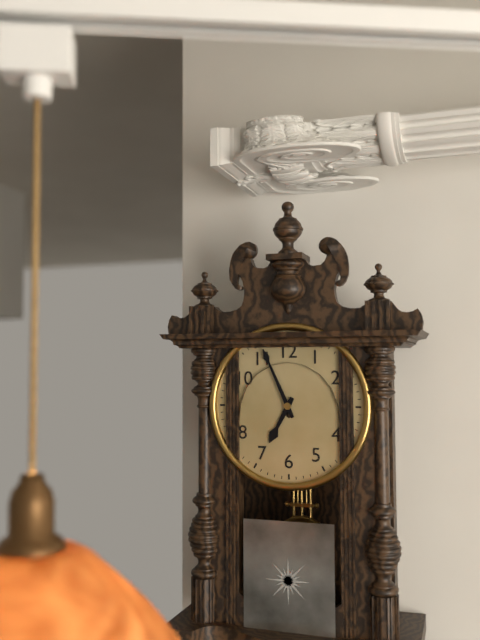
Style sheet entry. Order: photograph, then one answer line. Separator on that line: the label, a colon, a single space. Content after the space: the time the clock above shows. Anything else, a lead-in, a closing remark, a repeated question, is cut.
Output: 6:56
